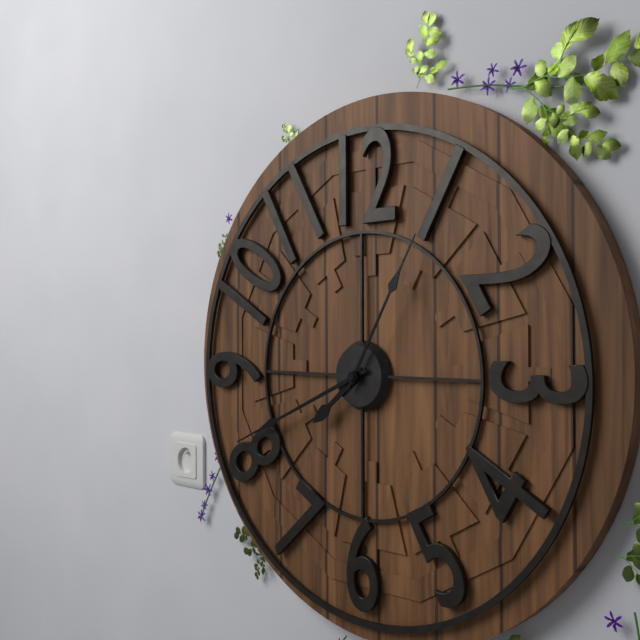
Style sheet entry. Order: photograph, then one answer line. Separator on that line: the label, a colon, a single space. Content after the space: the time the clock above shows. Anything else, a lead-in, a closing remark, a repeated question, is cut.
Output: 7:41:05
